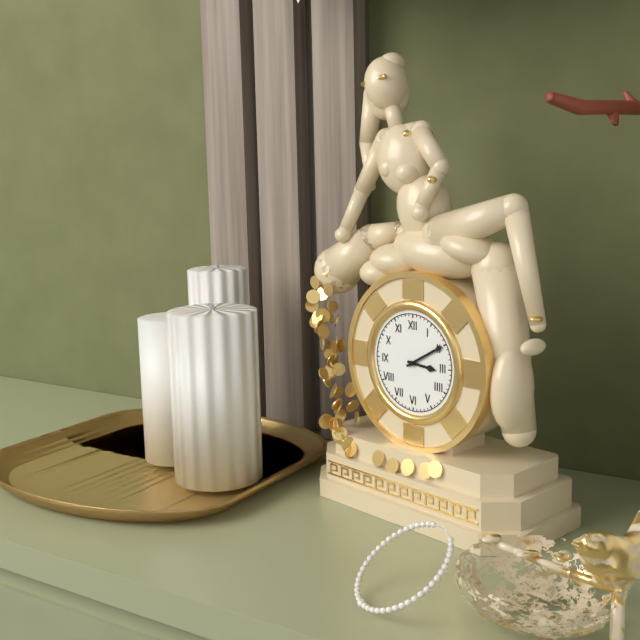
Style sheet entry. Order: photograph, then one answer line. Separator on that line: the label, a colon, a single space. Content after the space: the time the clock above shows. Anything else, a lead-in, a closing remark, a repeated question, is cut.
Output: 3:10
